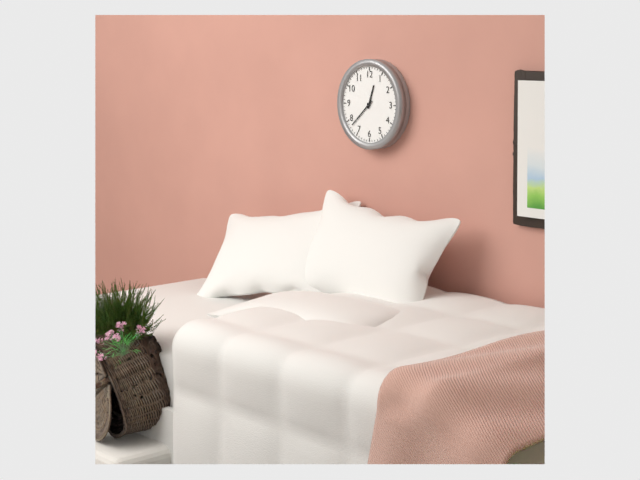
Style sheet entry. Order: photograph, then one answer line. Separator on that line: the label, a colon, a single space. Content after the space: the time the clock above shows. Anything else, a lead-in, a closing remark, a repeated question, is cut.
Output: 12:38
